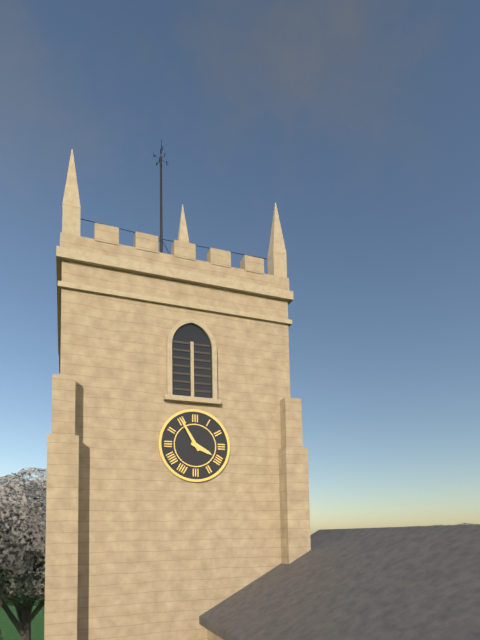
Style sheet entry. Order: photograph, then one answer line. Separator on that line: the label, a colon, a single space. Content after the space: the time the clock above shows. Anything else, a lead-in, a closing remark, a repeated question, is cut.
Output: 3:55
